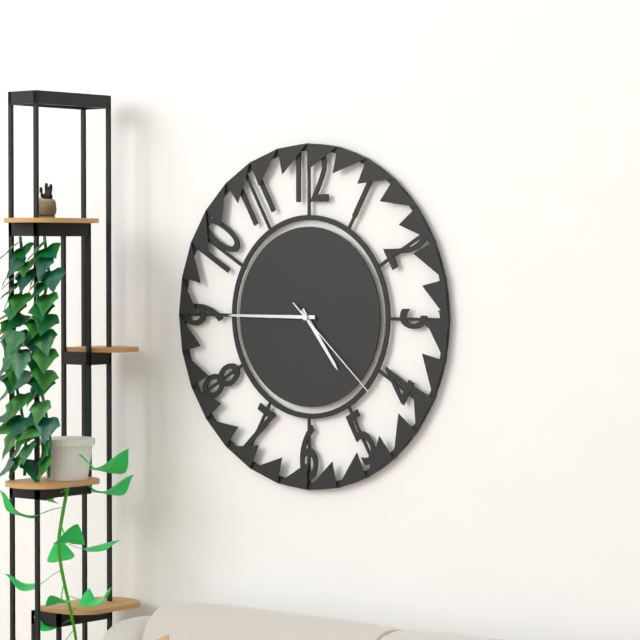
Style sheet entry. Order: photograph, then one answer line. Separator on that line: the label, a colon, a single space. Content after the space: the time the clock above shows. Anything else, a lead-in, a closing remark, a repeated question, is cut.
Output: 4:45:22
